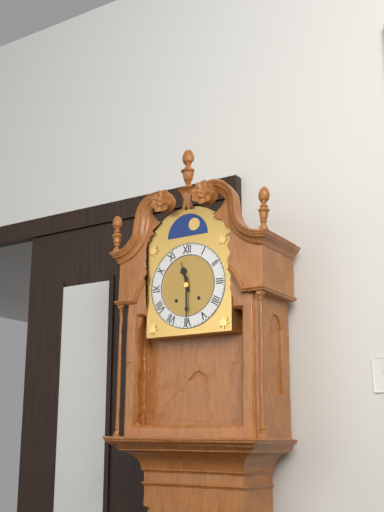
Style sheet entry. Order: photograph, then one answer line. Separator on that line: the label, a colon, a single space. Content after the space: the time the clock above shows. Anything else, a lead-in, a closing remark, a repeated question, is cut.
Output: 11:30
